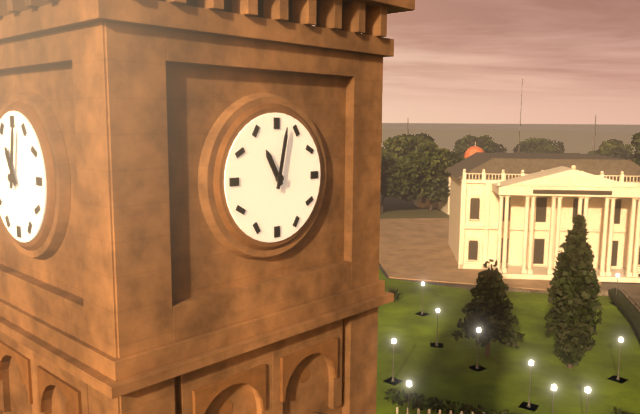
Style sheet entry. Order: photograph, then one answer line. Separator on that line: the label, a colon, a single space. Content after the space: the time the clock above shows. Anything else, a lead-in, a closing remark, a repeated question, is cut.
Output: 11:02
